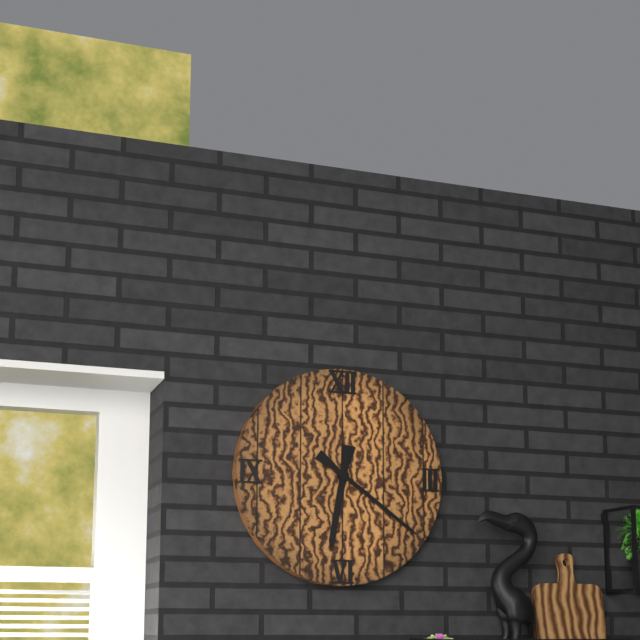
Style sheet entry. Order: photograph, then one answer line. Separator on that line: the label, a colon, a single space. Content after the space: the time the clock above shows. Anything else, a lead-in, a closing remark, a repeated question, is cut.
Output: 6:21
